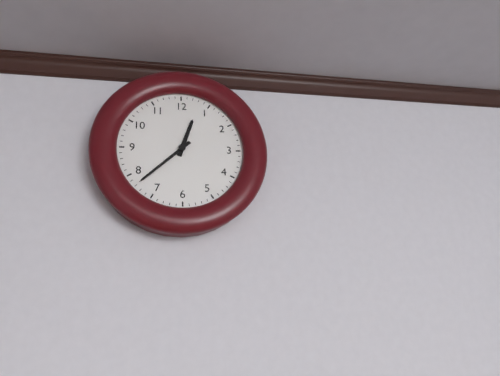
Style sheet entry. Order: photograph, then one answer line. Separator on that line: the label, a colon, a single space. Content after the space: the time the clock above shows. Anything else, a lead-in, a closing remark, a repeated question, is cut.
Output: 12:38
